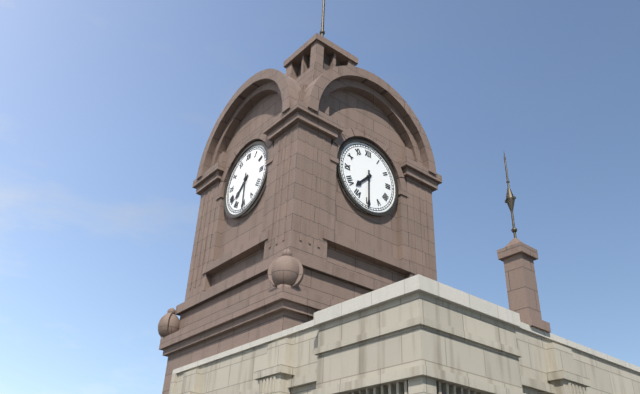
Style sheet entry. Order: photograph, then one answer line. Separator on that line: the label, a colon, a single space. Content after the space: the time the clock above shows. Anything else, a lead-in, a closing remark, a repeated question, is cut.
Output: 7:30
